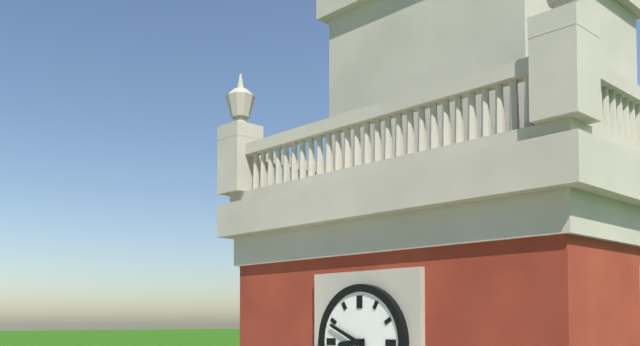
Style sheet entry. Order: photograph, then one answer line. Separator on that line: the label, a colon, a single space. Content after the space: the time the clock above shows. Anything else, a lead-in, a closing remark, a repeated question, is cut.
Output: 8:49
